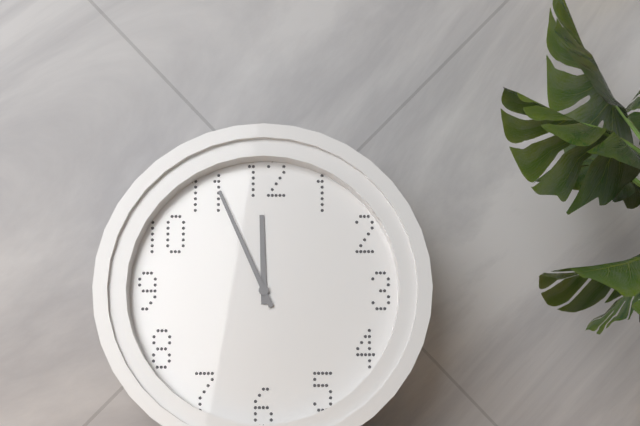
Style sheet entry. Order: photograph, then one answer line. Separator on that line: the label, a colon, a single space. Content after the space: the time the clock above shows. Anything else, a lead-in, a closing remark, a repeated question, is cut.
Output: 11:56
